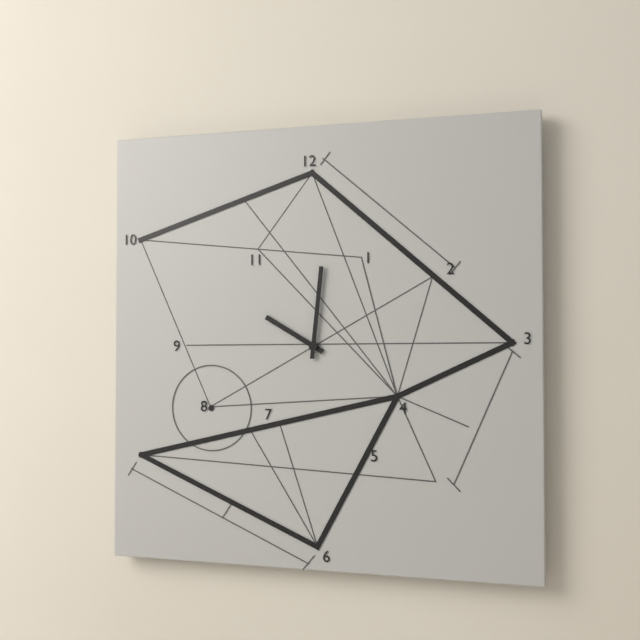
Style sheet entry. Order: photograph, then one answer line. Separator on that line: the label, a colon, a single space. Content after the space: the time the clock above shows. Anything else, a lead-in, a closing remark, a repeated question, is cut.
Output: 10:01
